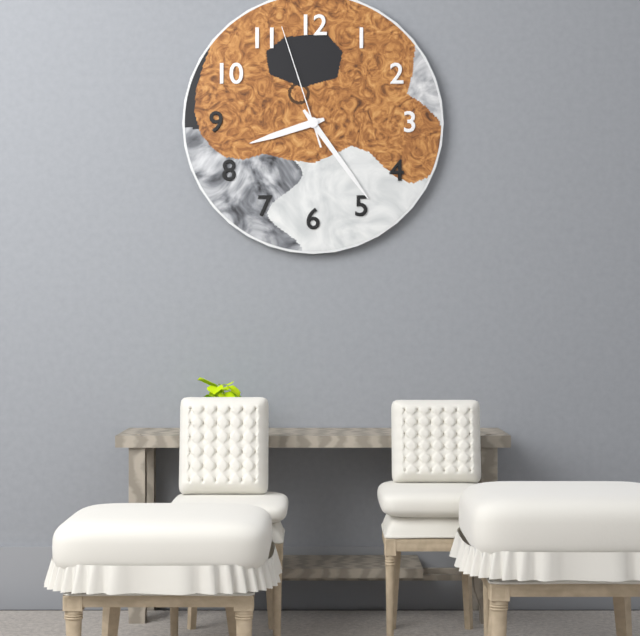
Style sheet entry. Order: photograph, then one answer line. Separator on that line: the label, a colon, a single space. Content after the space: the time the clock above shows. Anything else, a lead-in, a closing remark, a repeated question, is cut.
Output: 8:24:57
